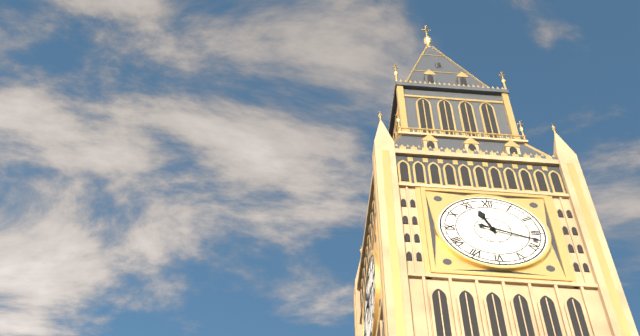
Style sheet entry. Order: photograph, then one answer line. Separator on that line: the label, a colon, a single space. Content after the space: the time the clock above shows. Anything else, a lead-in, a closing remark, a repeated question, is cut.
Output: 11:18
